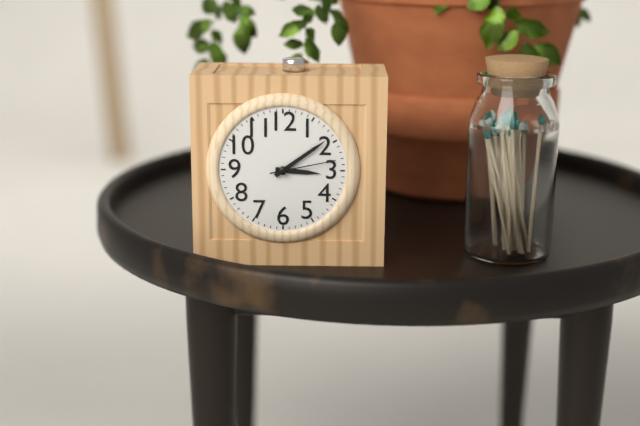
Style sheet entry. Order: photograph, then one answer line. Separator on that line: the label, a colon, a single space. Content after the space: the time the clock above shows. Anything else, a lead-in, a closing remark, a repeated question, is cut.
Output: 3:09:13
